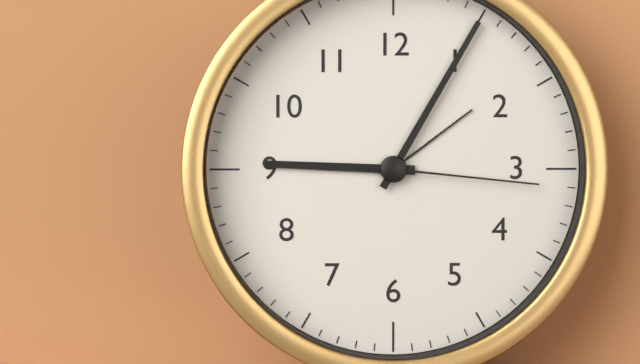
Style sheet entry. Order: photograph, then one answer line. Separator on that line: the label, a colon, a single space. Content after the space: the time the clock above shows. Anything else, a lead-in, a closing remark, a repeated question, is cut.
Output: 9:05:16
